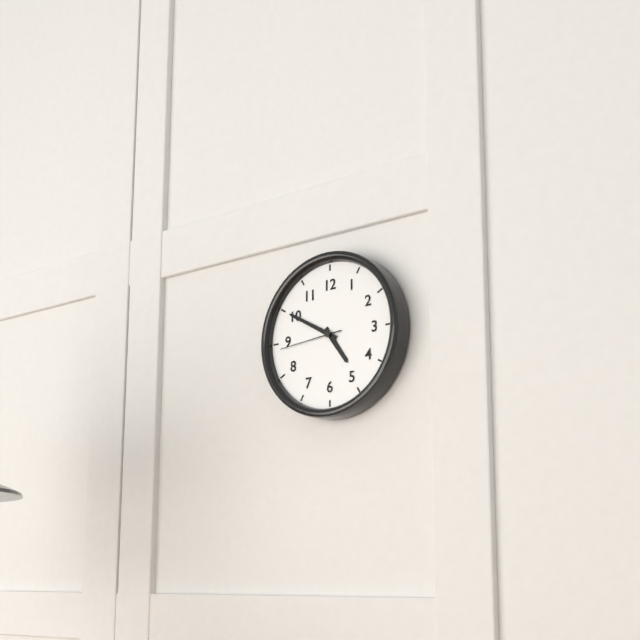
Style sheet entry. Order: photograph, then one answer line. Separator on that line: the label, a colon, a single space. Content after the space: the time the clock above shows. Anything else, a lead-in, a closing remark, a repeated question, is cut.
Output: 4:50:44
